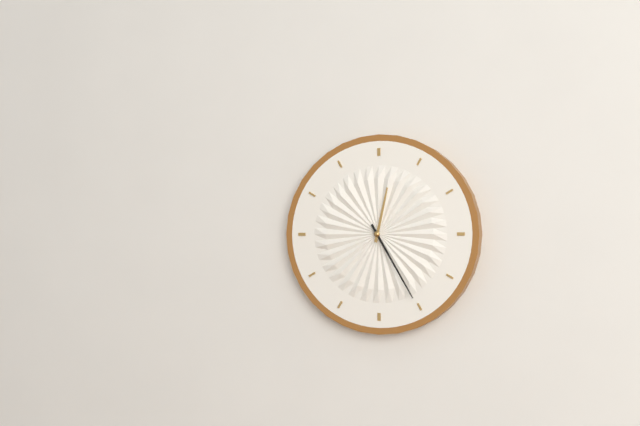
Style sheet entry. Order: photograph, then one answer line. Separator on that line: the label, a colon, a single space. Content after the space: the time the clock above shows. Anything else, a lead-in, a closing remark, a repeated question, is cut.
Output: 12:25
